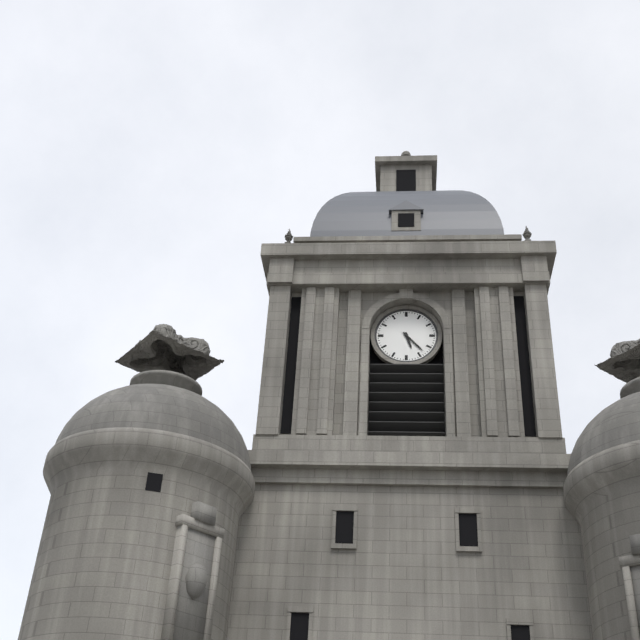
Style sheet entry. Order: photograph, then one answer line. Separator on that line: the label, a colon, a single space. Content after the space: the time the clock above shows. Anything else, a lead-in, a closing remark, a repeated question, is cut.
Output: 5:23
